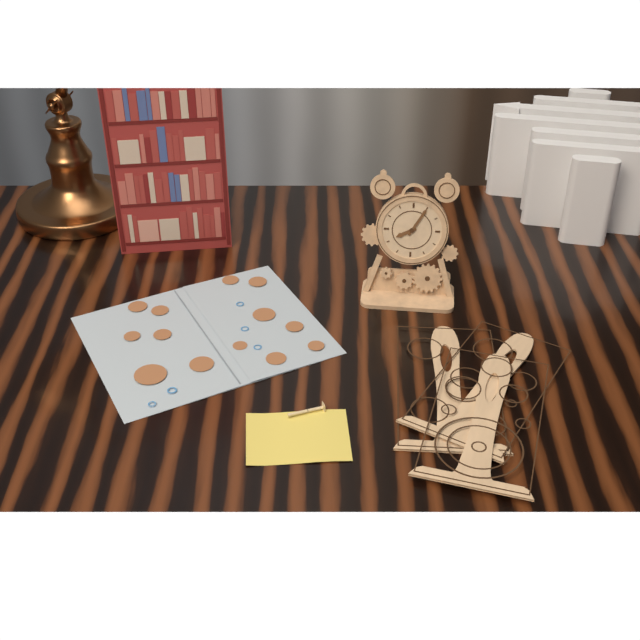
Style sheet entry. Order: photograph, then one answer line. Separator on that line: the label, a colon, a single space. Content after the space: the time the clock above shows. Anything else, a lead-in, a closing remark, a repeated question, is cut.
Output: 8:05
